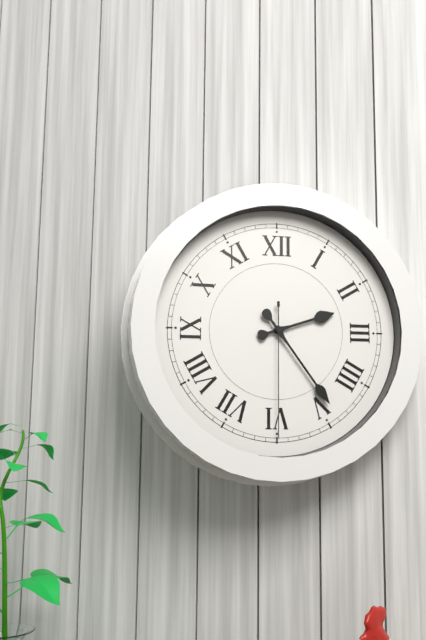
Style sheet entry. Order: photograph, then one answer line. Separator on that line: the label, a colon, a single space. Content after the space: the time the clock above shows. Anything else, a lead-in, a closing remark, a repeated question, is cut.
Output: 2:24:30
